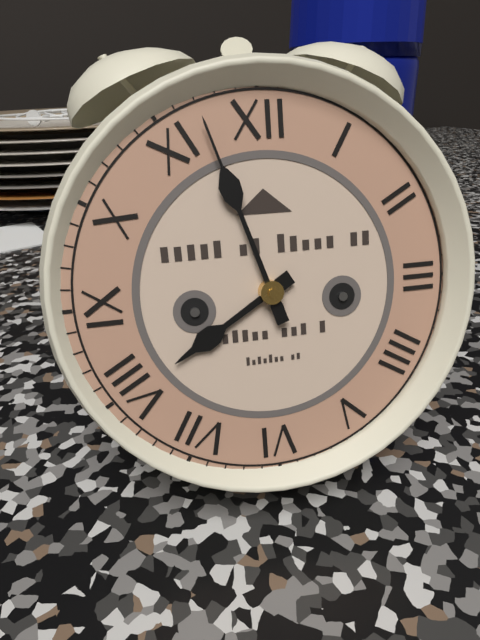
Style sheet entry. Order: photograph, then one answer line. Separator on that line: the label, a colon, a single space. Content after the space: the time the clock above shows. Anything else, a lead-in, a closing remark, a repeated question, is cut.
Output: 7:57
